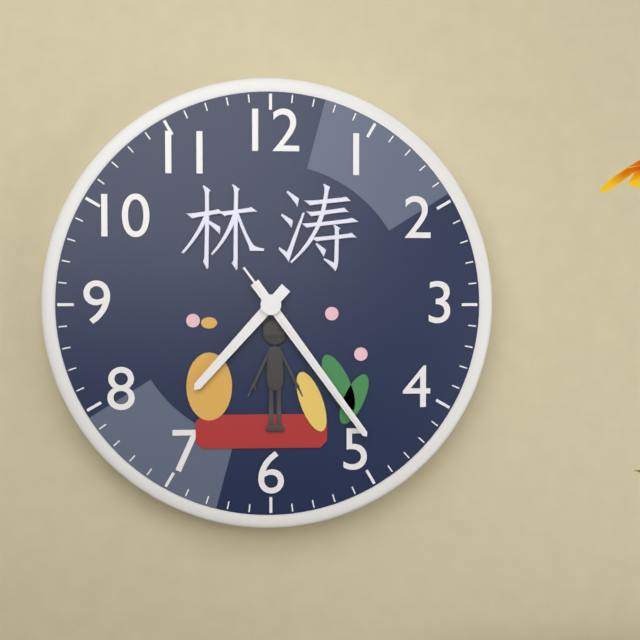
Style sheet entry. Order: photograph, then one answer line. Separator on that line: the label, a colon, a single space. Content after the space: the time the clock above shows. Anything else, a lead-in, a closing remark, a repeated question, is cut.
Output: 7:24:24
